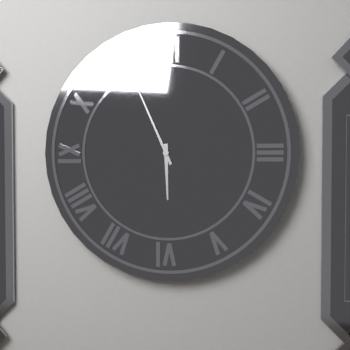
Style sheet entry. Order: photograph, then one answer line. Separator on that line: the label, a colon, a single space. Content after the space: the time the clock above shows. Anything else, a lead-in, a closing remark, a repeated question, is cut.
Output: 5:56
